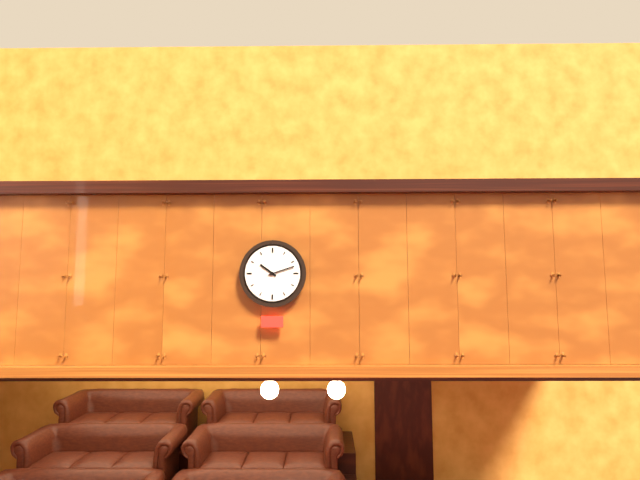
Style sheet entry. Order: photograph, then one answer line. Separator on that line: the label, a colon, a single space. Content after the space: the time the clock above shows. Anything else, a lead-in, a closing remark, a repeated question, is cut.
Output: 10:12
